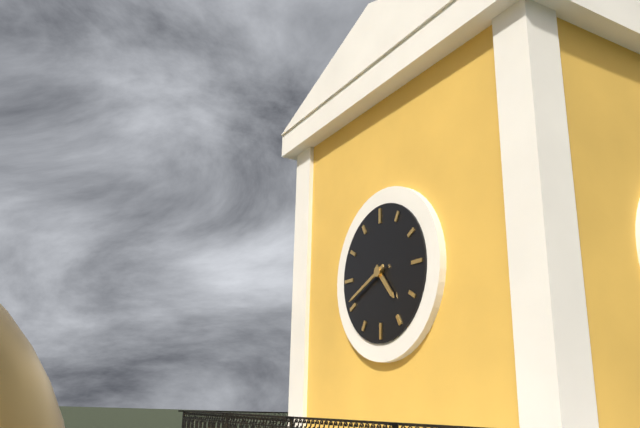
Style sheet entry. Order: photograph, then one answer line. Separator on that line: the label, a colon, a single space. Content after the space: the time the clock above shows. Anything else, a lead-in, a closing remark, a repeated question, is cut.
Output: 4:41
